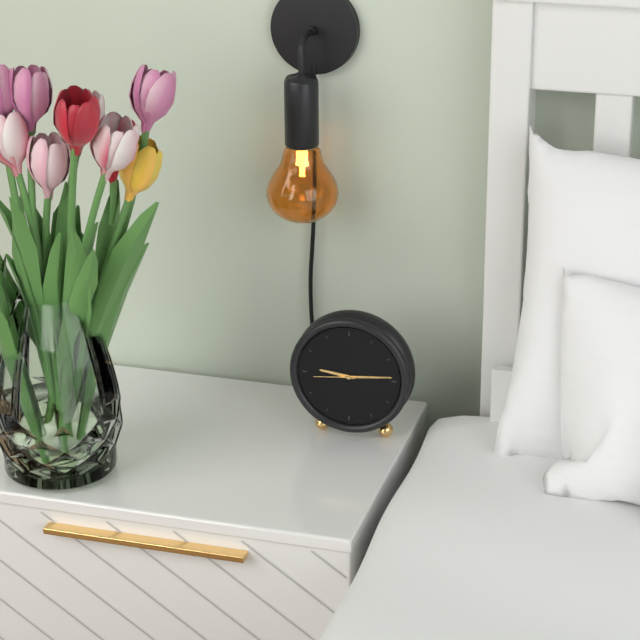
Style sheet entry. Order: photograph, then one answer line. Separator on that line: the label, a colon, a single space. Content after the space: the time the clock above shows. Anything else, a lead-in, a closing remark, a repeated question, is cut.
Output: 9:14
